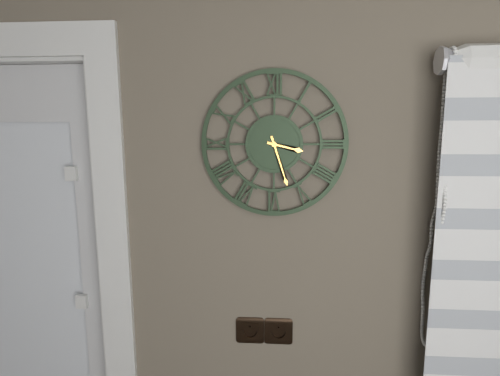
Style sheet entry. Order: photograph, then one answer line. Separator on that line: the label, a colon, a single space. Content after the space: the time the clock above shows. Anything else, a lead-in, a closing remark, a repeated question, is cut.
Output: 3:27
